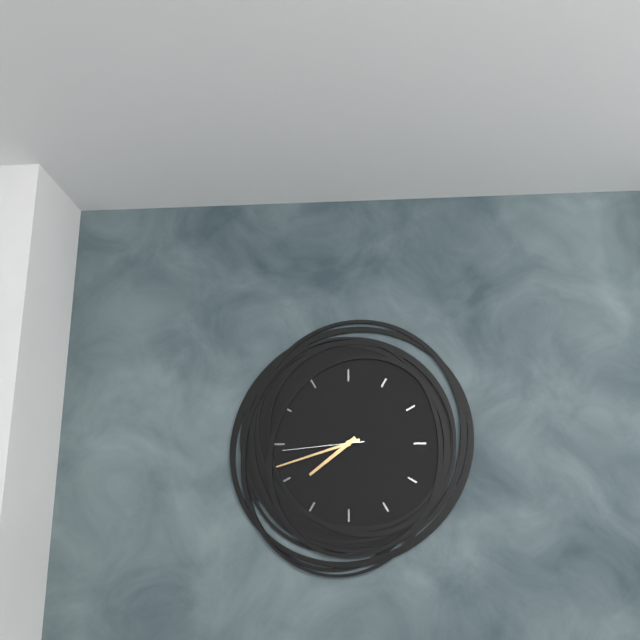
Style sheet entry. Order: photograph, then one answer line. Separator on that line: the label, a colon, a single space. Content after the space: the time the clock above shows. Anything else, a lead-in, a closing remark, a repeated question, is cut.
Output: 7:42:44
